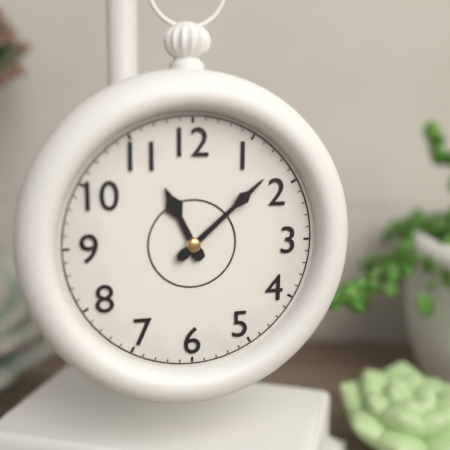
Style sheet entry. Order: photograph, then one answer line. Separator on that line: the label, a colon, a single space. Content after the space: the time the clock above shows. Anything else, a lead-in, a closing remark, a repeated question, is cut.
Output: 11:08
